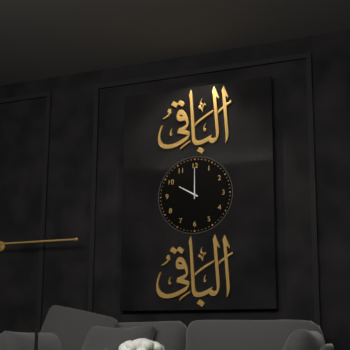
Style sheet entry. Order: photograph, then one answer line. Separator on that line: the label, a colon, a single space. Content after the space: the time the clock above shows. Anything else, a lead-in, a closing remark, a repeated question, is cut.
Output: 10:00
